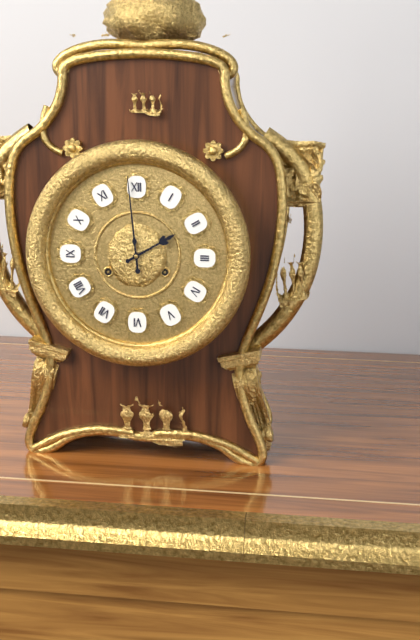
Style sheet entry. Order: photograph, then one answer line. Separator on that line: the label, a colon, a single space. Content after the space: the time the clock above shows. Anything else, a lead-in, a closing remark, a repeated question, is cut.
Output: 1:59
